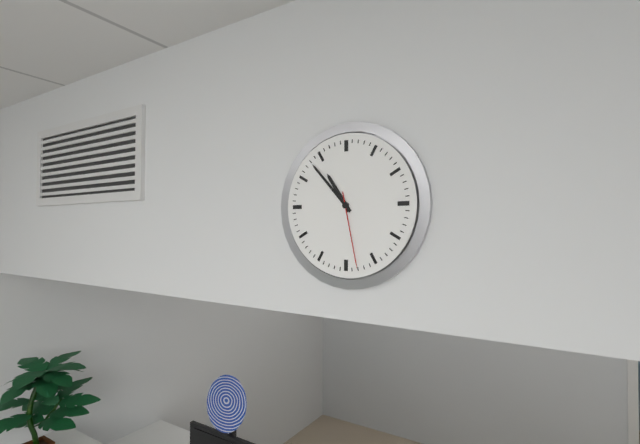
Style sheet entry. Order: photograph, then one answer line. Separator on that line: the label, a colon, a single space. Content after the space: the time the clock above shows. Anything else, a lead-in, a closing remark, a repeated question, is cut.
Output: 10:53:28
